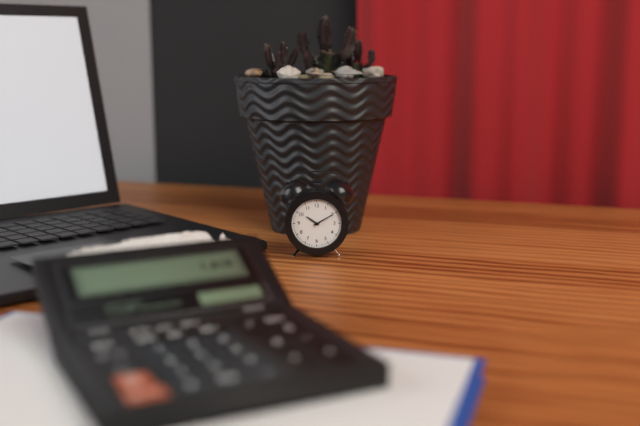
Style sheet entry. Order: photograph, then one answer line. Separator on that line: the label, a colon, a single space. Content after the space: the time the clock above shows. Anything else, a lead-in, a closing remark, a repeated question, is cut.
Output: 10:10
